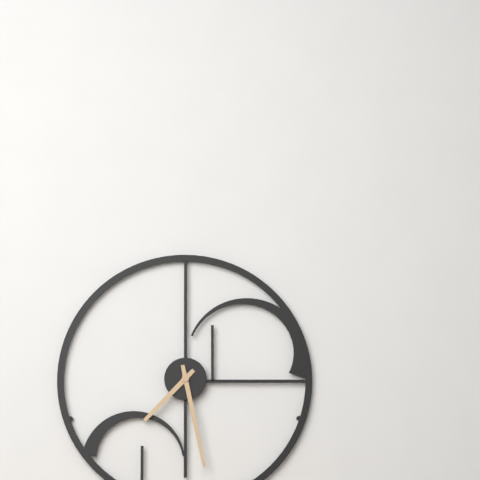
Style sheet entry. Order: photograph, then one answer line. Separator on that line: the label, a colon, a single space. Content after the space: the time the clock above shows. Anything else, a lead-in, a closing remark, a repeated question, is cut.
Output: 7:28
